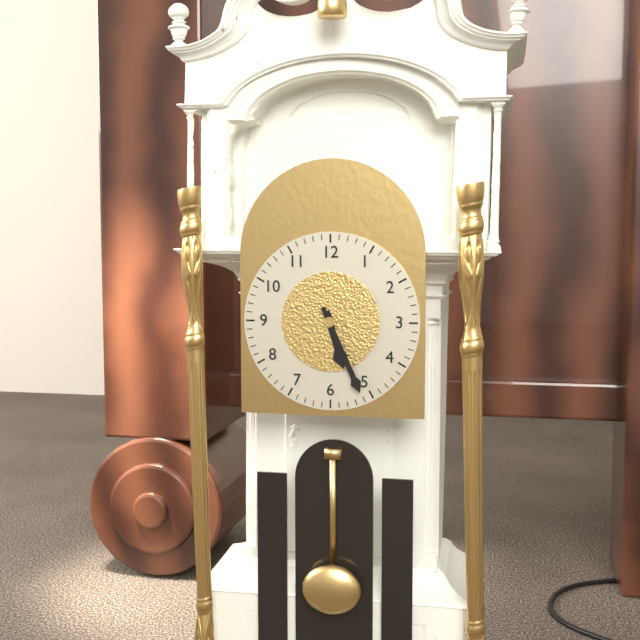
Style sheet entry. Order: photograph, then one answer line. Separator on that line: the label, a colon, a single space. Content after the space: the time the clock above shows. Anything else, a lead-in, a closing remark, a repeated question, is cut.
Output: 5:26
